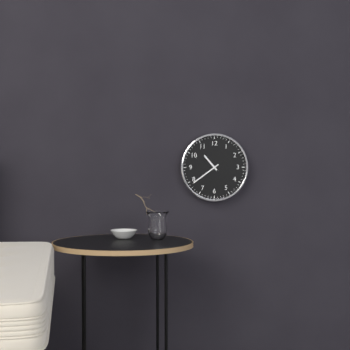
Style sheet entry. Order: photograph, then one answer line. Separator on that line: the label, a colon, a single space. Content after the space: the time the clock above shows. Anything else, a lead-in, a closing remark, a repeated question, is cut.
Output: 10:39
